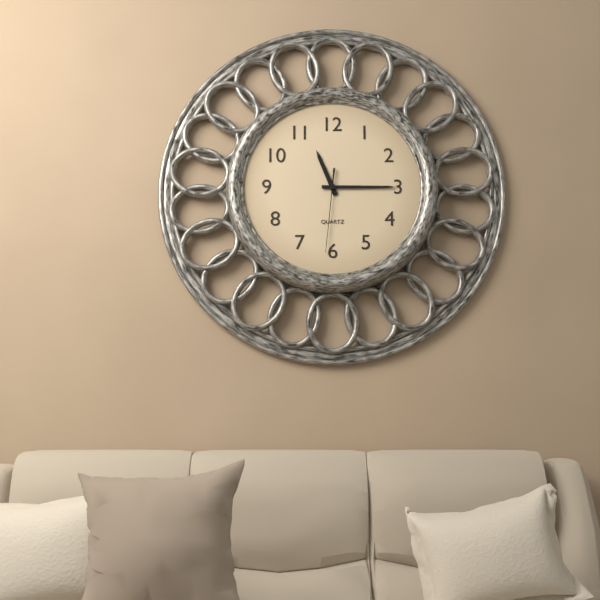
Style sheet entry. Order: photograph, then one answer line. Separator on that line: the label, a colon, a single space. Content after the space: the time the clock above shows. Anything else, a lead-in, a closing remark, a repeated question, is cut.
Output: 11:15:31
